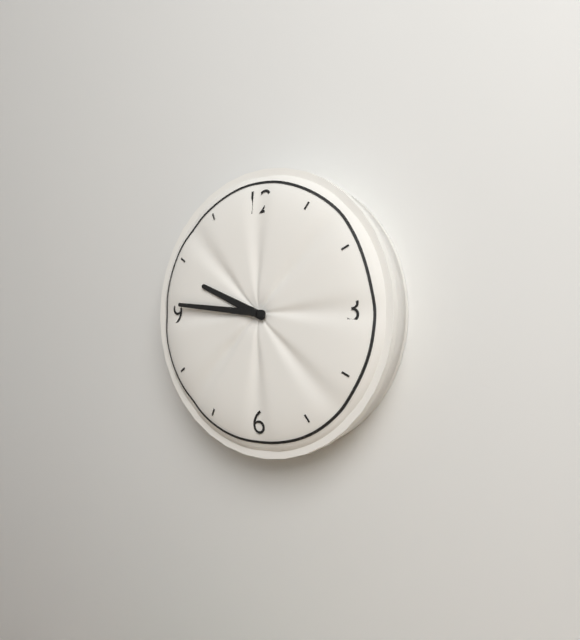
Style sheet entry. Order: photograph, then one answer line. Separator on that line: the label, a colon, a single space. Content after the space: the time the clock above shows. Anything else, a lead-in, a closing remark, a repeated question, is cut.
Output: 9:46
